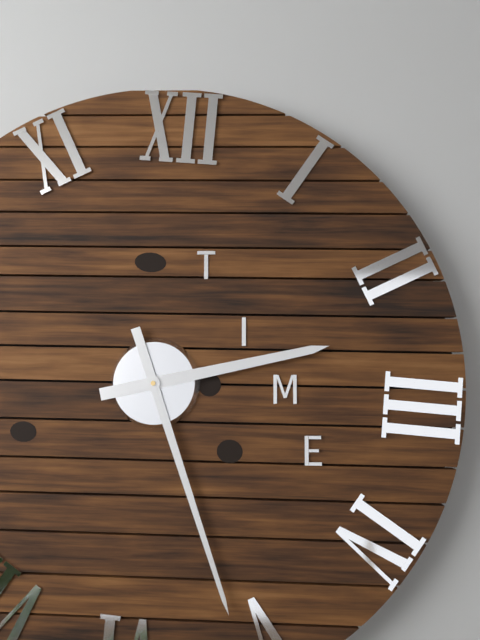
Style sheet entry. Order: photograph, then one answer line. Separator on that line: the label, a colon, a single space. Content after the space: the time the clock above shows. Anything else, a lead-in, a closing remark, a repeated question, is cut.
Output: 2:26
